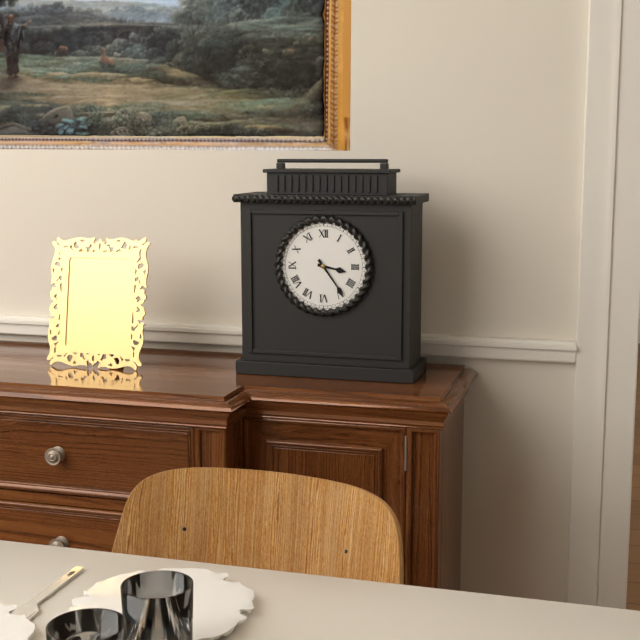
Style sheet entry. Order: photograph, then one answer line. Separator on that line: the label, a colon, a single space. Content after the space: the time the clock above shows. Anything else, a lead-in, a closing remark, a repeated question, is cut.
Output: 3:24
